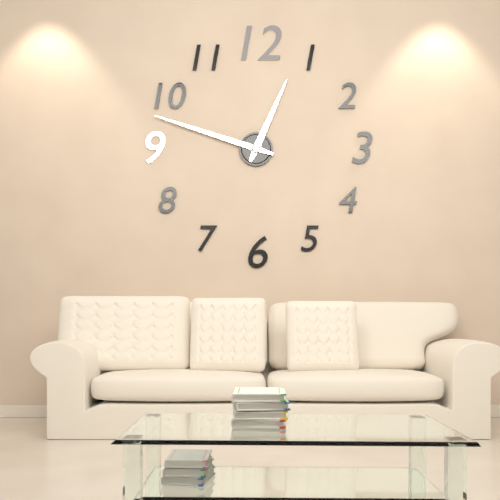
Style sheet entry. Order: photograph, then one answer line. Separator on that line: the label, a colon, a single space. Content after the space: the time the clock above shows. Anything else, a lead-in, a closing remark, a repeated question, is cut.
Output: 12:48
